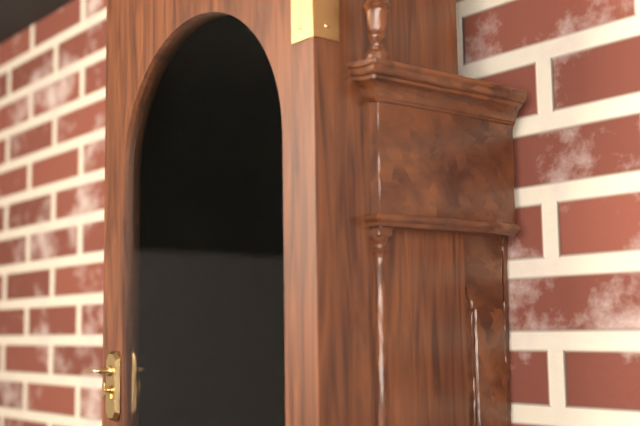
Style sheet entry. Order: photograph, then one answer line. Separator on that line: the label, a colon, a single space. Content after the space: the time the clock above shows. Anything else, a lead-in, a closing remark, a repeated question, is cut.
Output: 6:42
